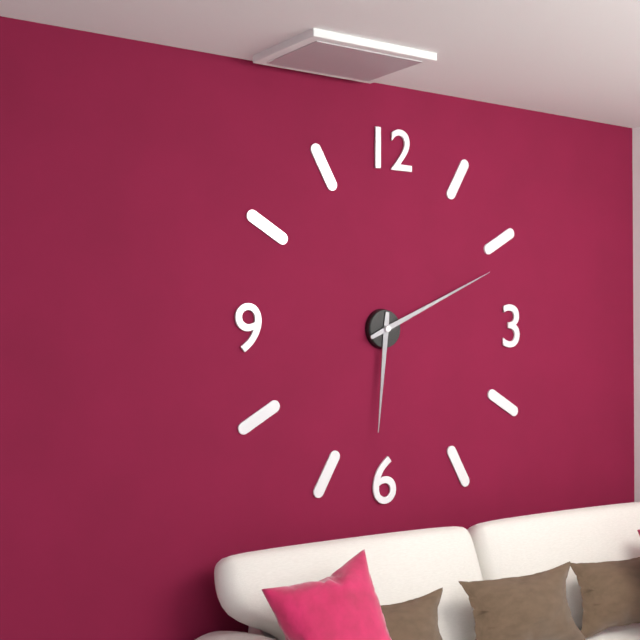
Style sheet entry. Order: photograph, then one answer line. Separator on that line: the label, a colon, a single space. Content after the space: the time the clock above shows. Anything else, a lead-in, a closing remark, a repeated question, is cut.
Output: 6:11
